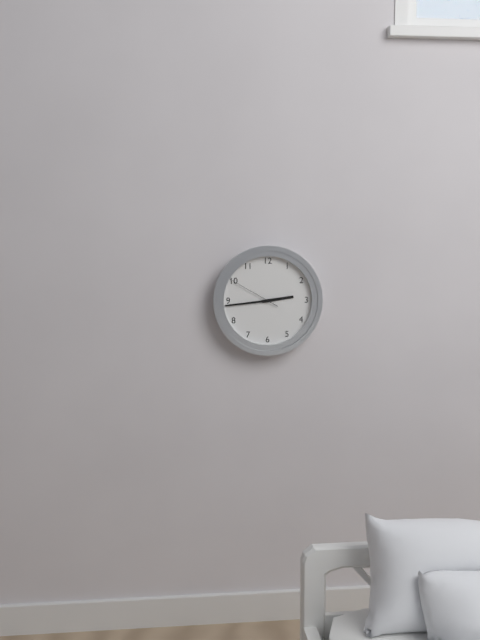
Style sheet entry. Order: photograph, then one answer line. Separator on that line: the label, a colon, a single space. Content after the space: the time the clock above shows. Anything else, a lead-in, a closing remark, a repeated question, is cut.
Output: 2:44:50
